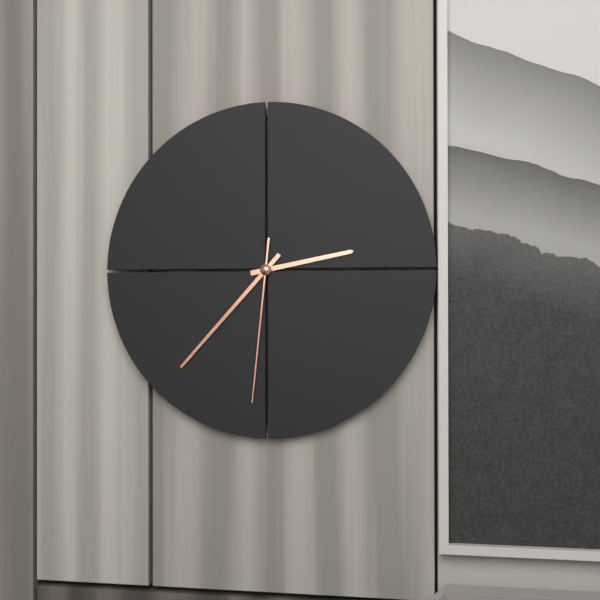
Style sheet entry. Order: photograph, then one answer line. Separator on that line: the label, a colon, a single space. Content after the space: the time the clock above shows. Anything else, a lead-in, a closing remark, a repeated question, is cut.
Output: 2:37:31
